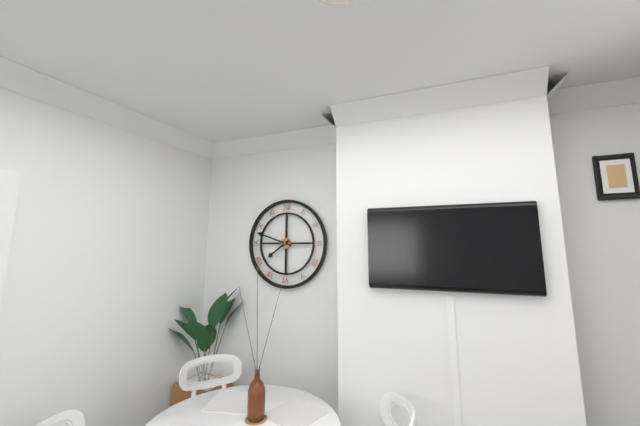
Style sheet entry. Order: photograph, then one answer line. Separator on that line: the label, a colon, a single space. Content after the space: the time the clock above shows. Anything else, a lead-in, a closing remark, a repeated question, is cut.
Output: 7:48
